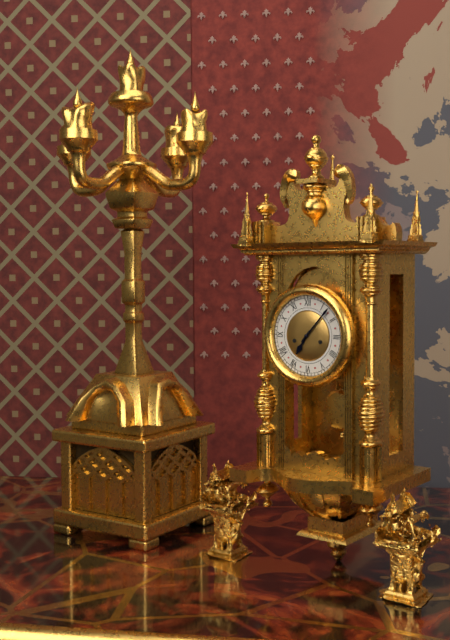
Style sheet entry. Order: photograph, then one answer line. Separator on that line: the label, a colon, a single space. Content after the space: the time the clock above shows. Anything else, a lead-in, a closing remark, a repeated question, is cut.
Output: 7:07
